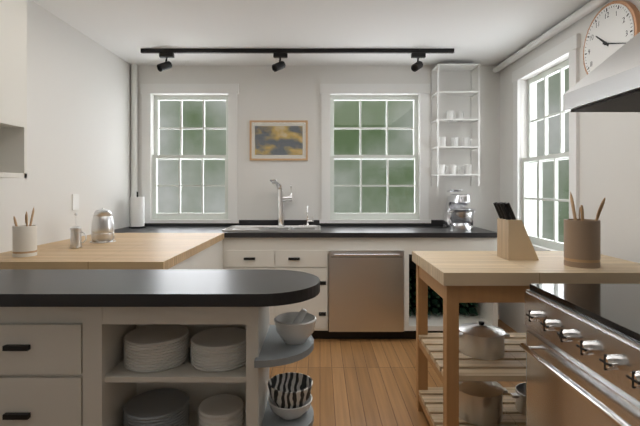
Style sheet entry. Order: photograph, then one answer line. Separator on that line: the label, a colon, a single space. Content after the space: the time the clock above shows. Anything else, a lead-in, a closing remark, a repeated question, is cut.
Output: 10:18
